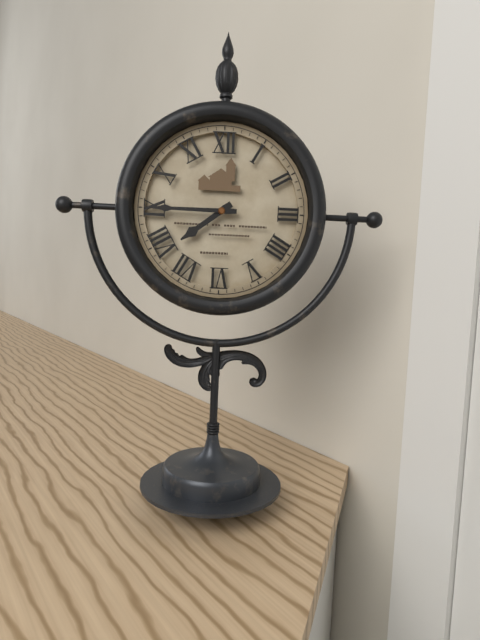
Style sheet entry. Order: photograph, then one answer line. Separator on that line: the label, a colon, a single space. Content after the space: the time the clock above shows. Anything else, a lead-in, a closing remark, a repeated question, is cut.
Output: 7:45
